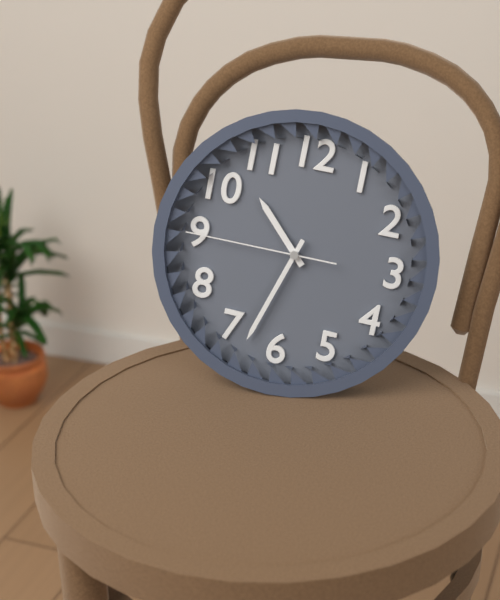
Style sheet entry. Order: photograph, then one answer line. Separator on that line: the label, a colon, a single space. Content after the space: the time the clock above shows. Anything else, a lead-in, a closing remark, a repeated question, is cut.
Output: 10:33:45
